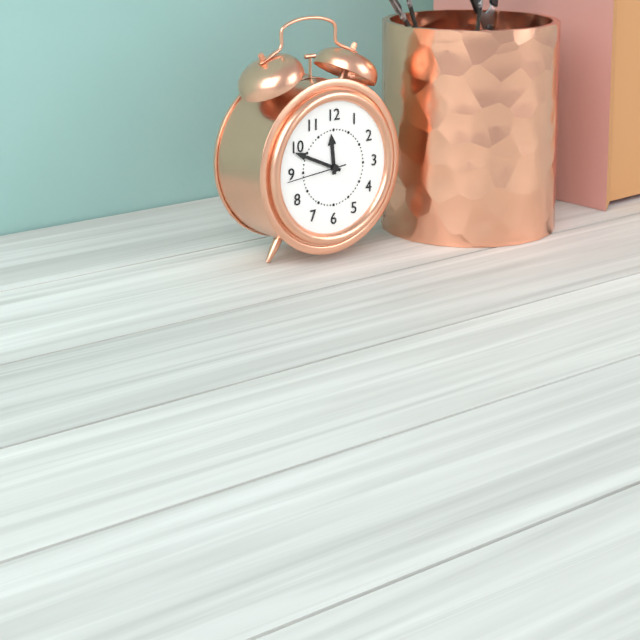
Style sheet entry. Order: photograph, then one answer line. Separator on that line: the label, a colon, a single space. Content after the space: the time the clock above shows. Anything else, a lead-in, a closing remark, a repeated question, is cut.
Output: 11:49:44
